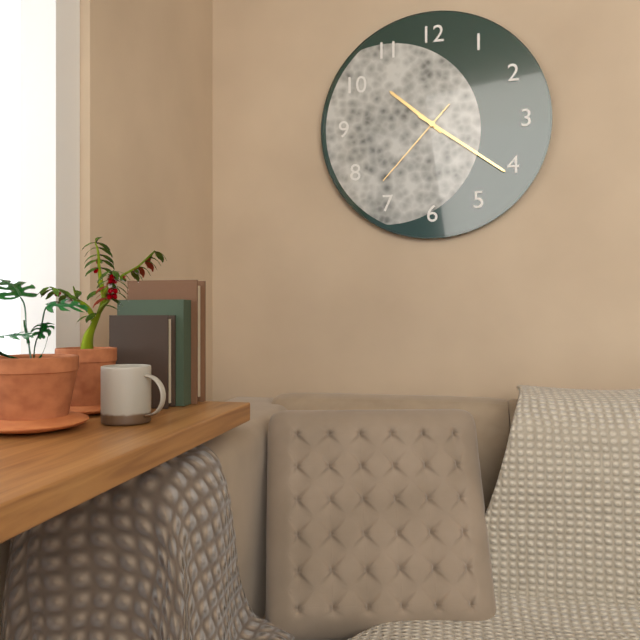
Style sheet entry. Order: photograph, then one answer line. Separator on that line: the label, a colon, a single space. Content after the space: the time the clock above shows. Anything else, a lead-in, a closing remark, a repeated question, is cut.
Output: 10:21:37
